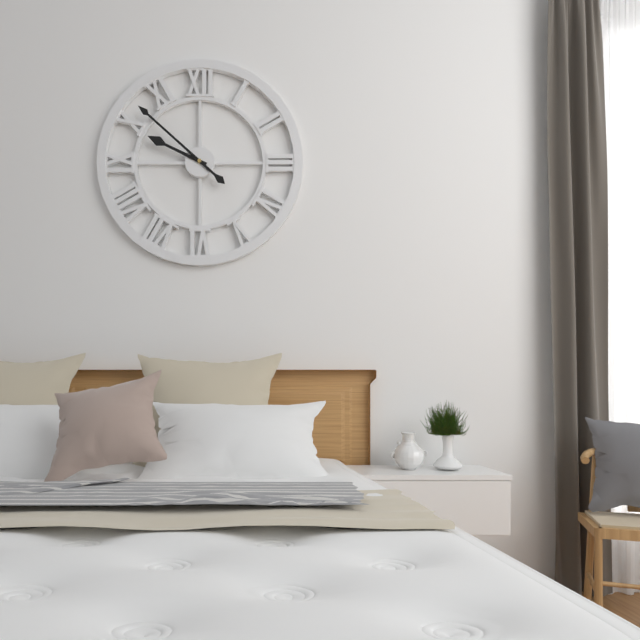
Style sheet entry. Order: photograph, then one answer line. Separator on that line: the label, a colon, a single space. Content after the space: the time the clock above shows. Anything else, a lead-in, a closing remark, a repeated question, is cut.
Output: 9:52
